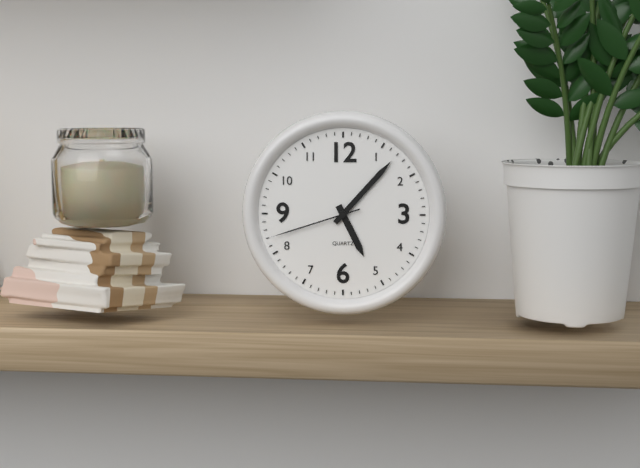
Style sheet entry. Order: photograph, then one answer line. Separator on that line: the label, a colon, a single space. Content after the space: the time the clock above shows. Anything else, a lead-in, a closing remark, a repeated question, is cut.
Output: 5:07:42
